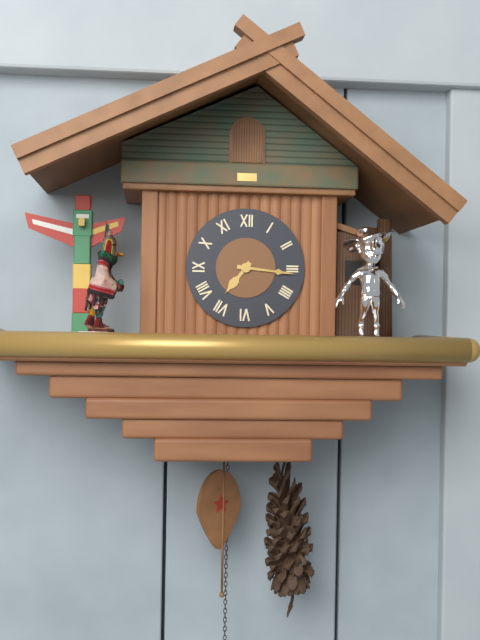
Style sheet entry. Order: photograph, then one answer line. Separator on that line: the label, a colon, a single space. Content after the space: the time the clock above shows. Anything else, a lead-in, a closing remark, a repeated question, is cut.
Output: 7:16
